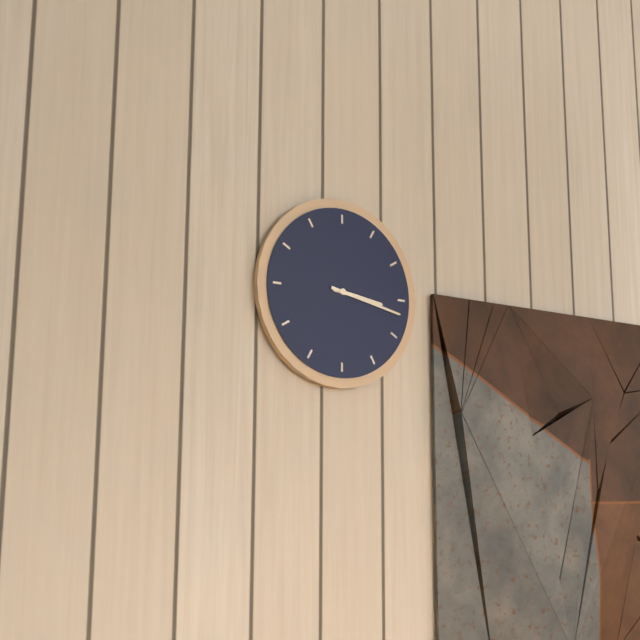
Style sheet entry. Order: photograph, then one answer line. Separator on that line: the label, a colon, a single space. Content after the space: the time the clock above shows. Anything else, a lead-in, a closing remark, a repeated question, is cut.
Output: 3:17
